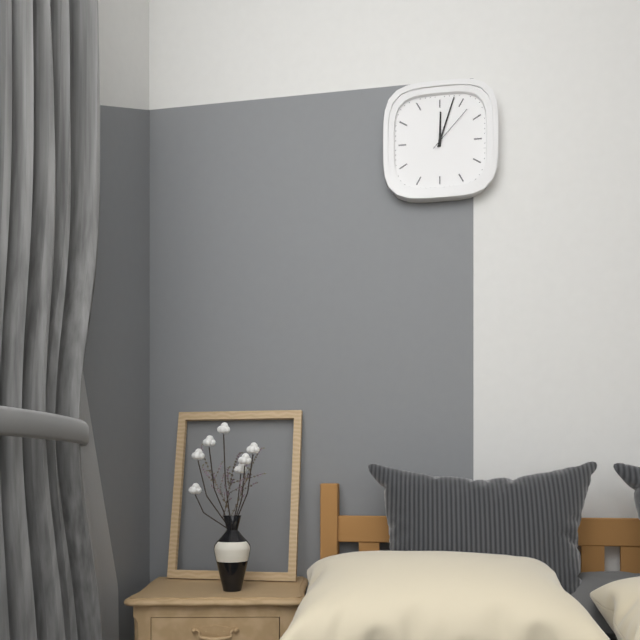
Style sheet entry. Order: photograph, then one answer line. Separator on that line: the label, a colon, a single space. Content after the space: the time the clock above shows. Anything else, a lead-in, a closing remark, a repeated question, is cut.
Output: 12:03:07
